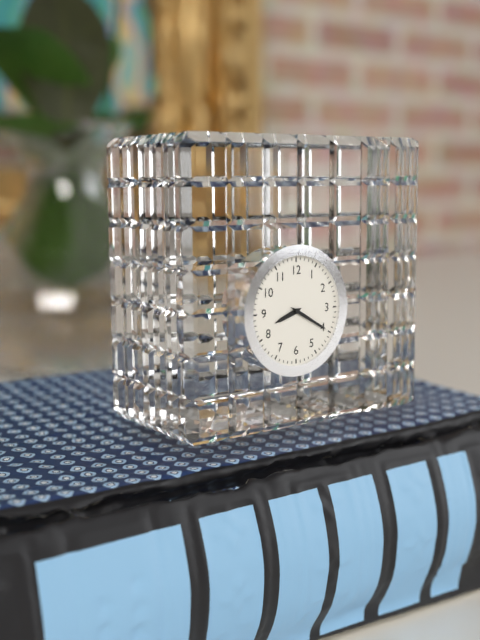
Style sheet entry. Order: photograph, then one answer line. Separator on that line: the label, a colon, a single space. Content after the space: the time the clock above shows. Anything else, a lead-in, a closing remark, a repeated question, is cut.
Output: 8:20
